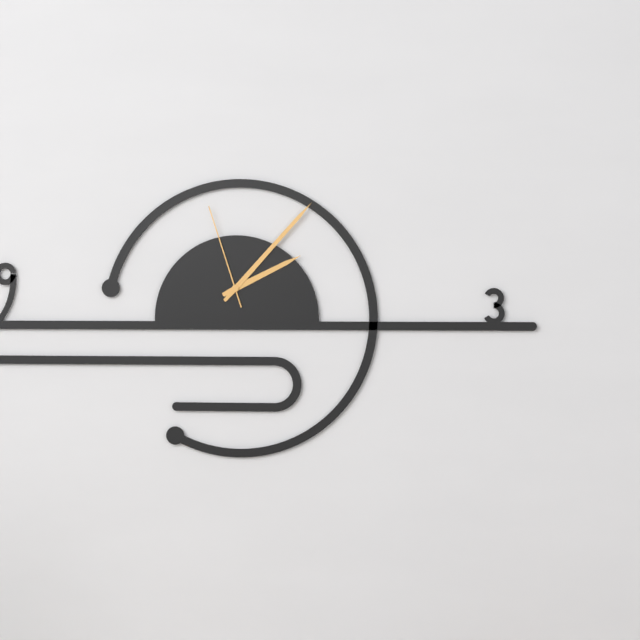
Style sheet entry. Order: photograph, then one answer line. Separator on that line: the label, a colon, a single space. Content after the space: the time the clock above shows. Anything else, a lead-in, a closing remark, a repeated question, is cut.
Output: 2:07:57
